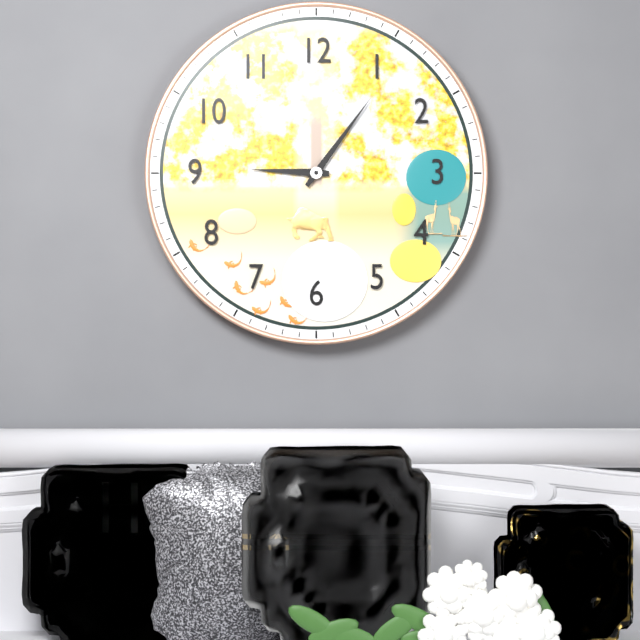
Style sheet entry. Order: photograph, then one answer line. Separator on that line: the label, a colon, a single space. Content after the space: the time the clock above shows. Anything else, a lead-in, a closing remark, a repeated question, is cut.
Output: 9:06
